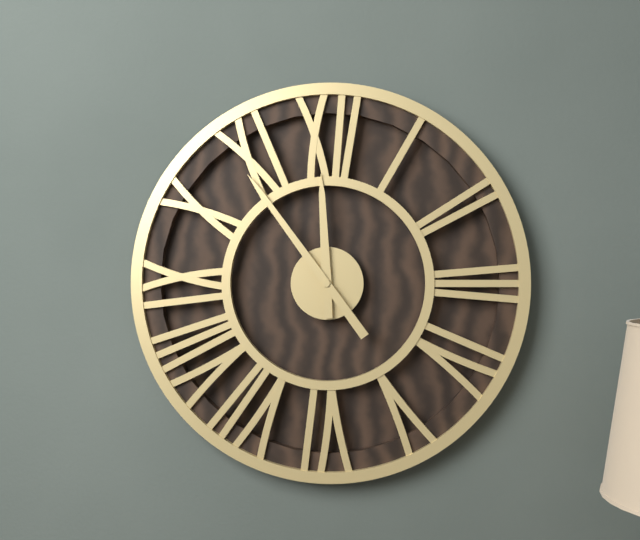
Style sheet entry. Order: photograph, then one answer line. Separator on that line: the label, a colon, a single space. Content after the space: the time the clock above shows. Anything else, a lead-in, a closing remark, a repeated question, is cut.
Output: 11:54
